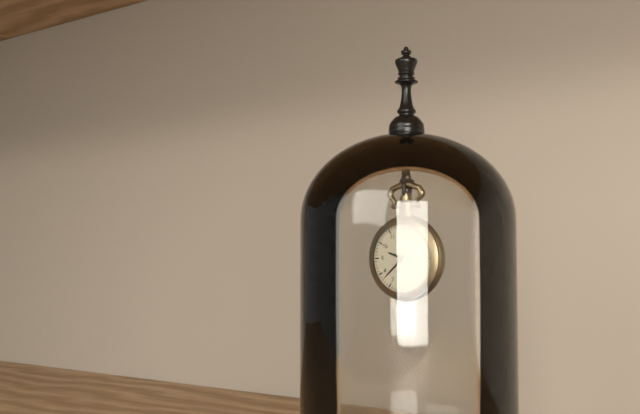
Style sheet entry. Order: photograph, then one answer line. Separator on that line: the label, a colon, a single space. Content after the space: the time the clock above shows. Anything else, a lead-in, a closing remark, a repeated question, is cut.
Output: 9:38
